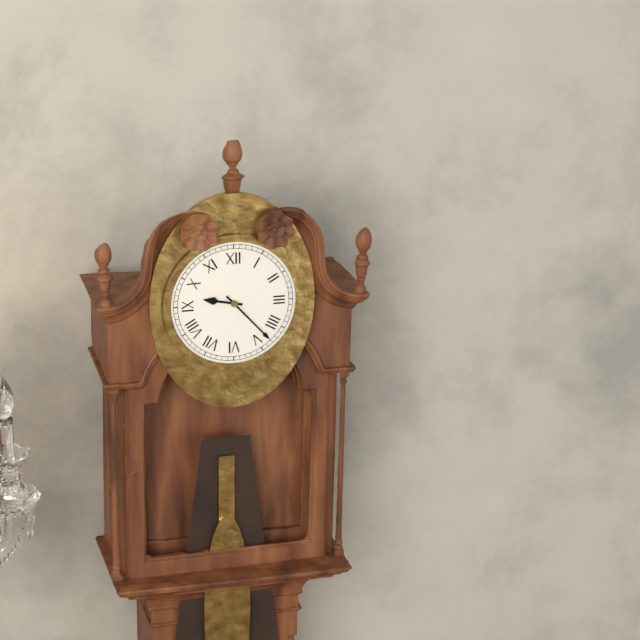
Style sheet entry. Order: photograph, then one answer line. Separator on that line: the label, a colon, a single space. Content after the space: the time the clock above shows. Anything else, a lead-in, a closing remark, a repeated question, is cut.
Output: 9:23
